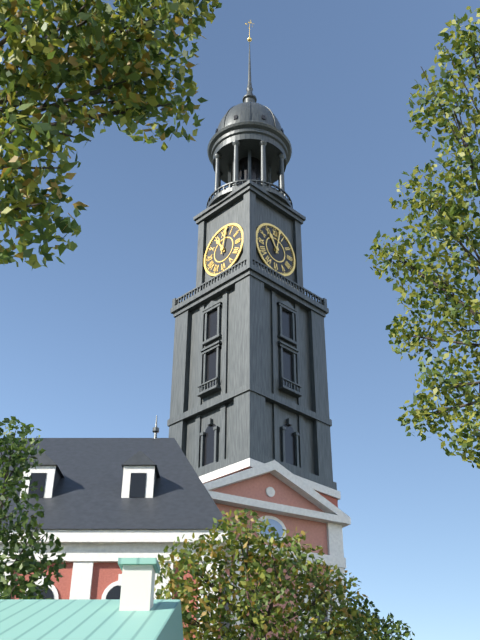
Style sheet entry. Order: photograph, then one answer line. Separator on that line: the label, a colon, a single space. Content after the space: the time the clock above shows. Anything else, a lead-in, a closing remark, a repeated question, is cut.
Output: 11:02
